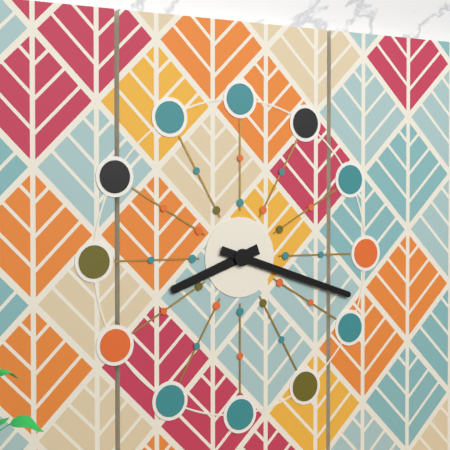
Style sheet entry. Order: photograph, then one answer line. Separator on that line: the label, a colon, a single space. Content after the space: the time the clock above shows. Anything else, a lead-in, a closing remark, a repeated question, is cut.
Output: 8:18
